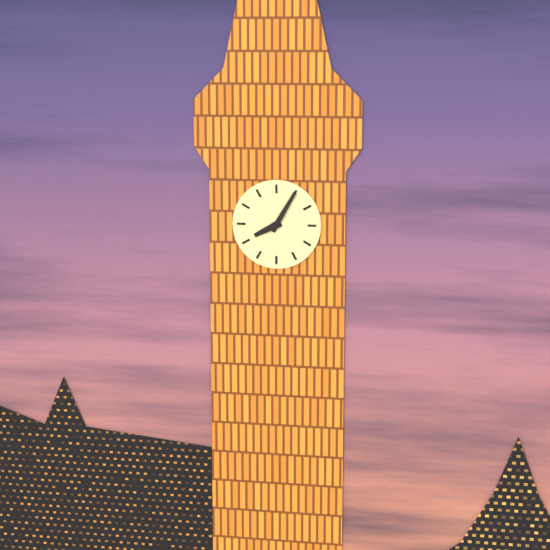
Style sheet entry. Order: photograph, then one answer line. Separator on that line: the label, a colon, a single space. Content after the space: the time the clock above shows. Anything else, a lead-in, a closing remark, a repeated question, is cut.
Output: 8:05
